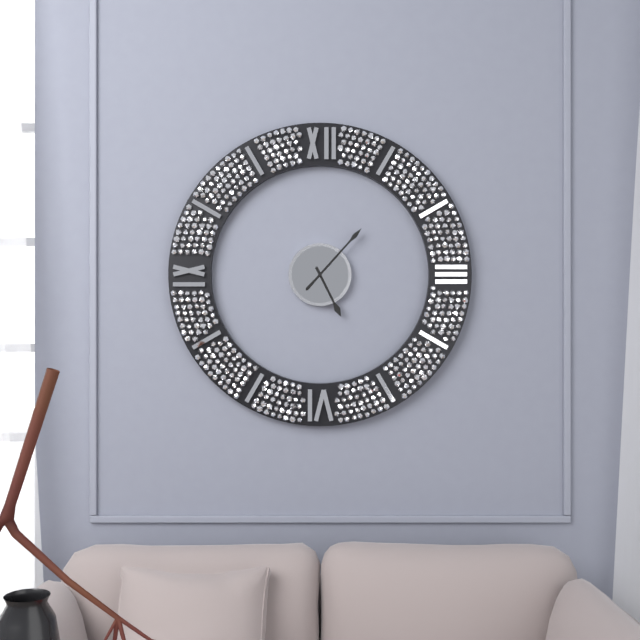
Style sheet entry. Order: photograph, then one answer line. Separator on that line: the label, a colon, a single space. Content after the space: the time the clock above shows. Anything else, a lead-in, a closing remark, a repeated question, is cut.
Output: 5:07
